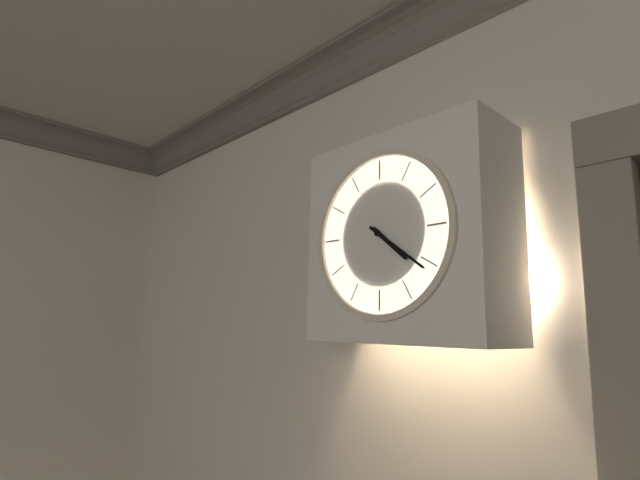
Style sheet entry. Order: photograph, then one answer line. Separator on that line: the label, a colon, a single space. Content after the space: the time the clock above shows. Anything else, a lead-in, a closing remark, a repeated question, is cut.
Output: 4:21
